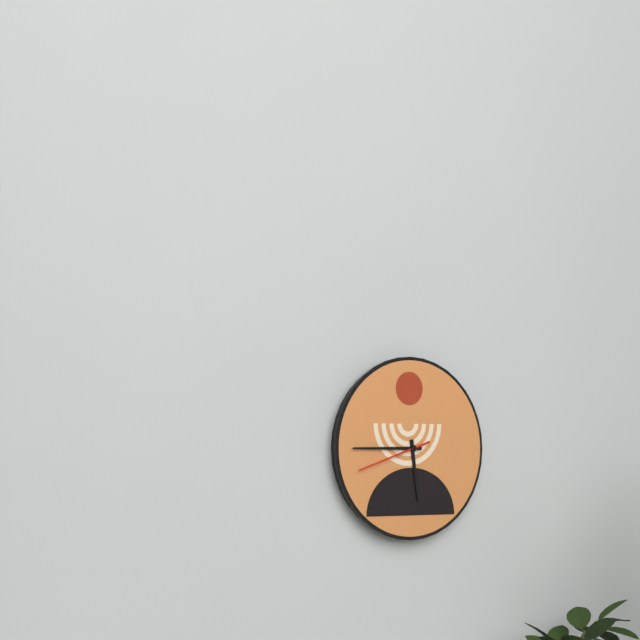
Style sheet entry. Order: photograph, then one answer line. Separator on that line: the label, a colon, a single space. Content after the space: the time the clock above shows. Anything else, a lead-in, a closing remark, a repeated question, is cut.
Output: 5:45:42
